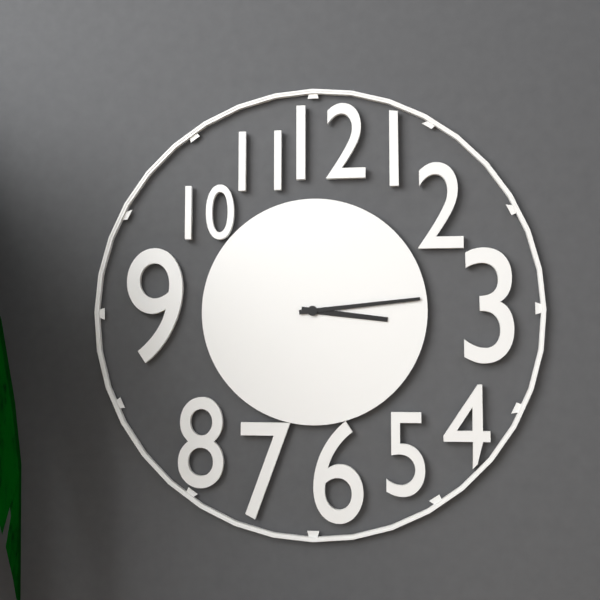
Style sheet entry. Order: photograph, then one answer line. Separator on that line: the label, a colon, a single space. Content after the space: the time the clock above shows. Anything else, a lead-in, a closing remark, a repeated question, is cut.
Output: 3:14
